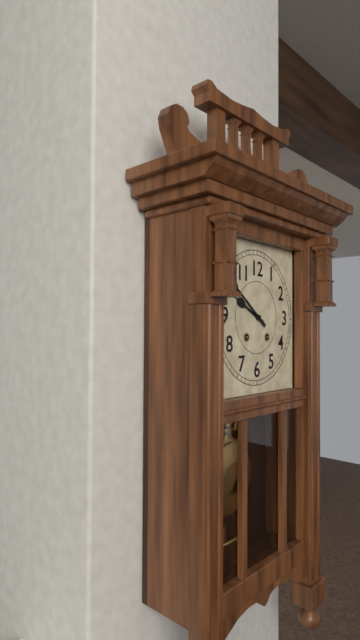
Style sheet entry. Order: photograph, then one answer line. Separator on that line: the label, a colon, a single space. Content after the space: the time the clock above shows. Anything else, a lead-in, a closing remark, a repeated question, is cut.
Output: 9:51
